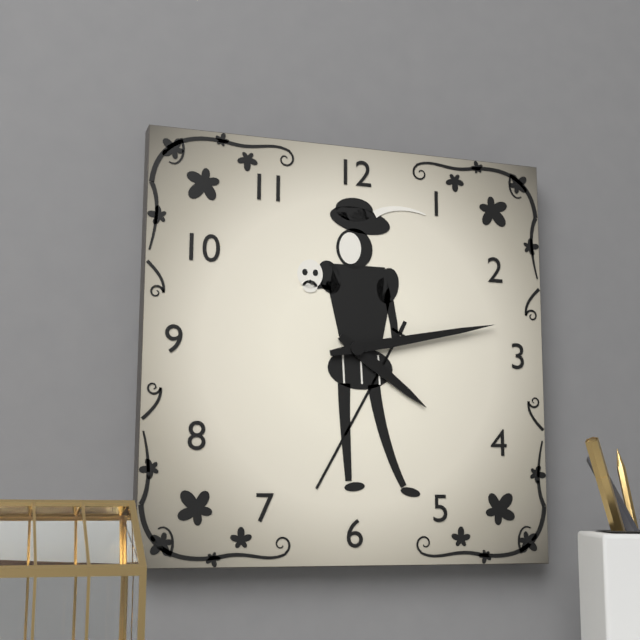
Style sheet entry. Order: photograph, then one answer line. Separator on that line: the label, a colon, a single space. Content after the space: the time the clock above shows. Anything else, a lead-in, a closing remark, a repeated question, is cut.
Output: 4:13
